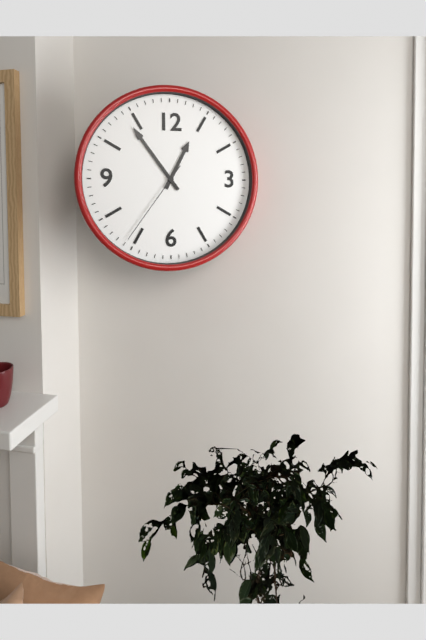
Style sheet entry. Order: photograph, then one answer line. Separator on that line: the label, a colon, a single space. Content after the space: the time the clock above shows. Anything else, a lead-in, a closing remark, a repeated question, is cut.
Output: 12:54:36
